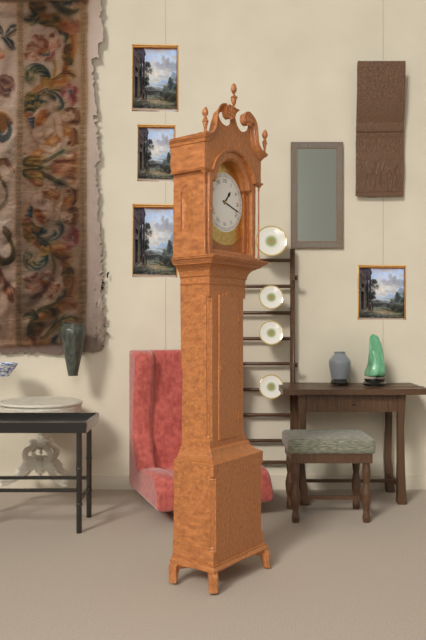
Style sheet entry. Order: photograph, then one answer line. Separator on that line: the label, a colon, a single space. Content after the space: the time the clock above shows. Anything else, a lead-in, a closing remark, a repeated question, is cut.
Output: 1:18
